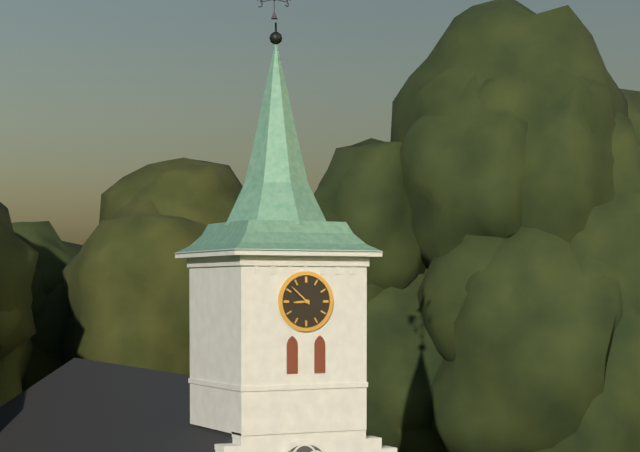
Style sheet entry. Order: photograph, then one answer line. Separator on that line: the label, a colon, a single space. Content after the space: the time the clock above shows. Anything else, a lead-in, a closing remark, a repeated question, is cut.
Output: 8:52
